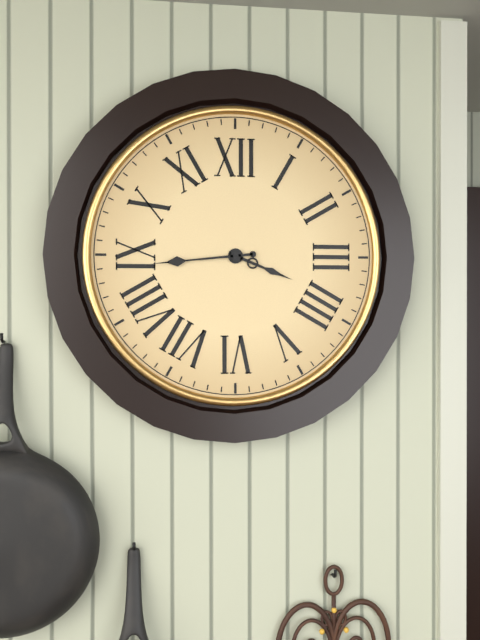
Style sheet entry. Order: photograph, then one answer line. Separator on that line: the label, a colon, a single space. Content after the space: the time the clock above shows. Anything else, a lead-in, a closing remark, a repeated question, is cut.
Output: 3:44
